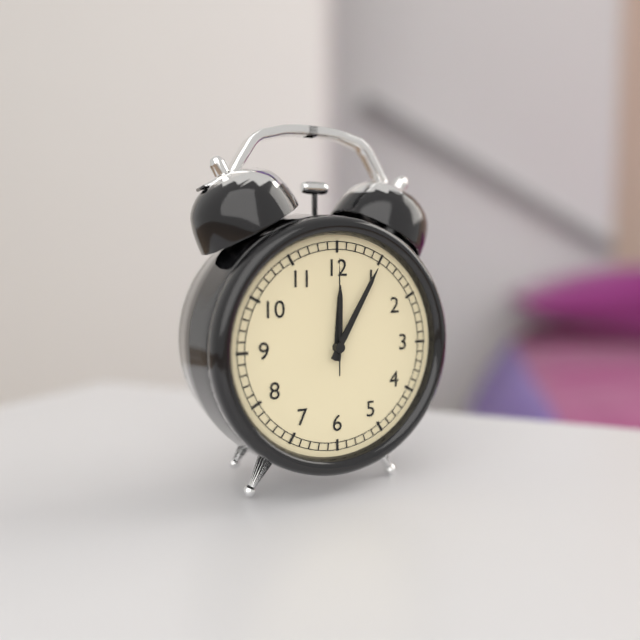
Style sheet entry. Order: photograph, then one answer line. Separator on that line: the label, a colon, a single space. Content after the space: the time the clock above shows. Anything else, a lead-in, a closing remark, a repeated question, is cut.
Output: 12:05:00
